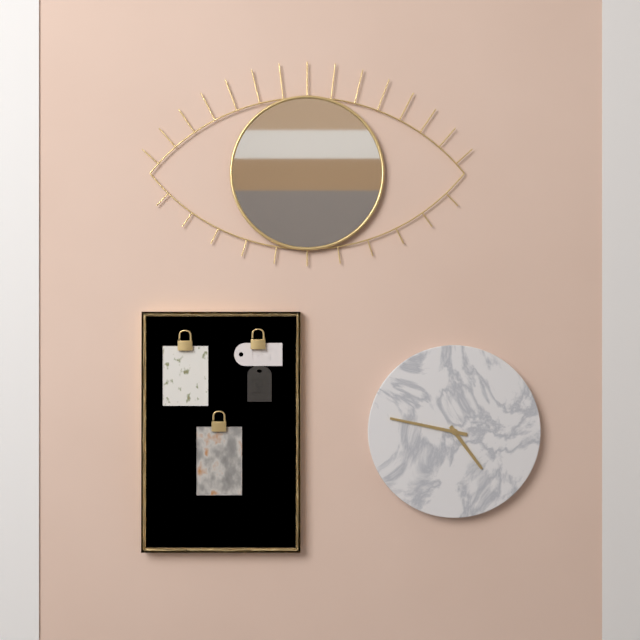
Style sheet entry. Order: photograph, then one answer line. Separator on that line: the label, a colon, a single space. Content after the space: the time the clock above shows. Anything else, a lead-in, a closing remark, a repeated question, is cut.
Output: 4:47
